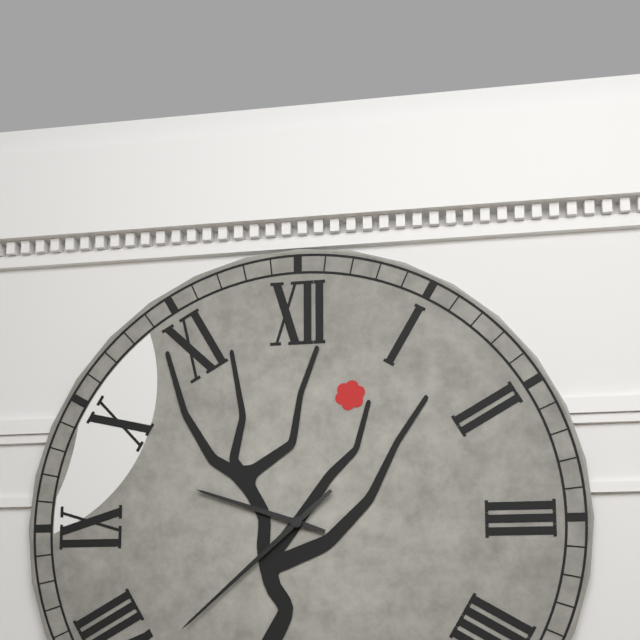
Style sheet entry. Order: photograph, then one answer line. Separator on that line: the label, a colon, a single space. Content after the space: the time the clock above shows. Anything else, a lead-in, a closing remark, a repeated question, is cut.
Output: 9:38
